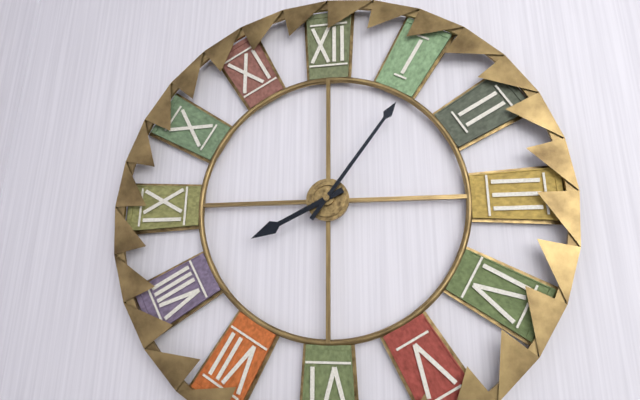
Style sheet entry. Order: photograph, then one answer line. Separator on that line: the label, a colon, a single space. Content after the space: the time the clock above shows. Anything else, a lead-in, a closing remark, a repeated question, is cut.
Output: 8:06
